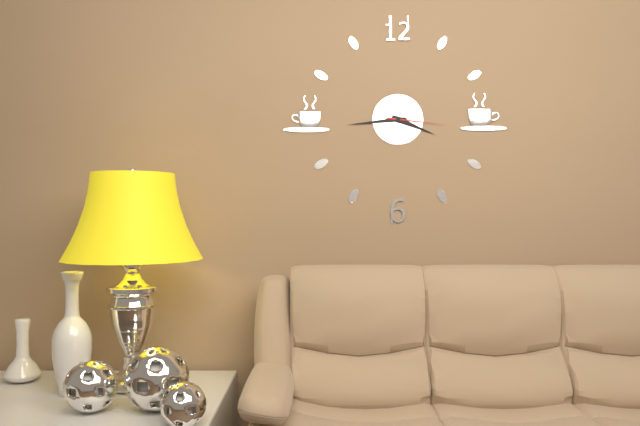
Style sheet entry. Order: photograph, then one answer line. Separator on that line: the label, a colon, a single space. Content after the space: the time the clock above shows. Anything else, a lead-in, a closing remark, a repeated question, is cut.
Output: 3:44:16
